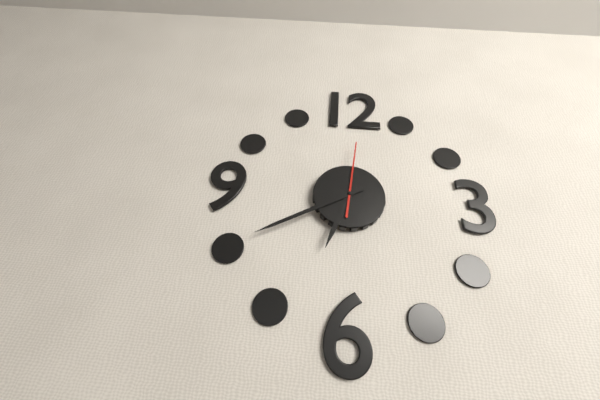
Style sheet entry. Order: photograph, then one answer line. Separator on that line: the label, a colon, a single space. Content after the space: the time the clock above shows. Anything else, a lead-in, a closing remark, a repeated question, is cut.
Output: 6:40:01
